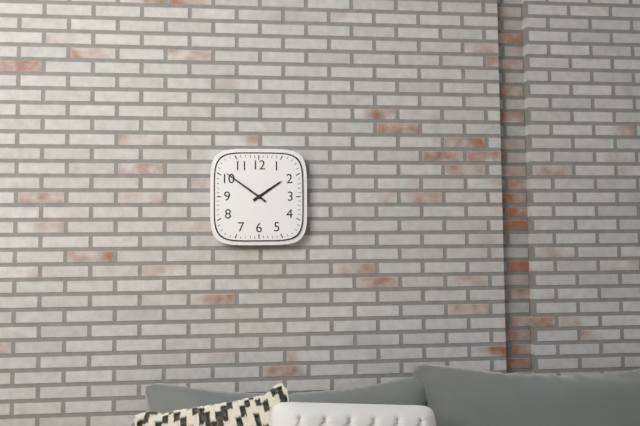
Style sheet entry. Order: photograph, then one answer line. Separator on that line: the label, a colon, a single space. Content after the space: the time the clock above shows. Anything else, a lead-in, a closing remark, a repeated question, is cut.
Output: 1:51
